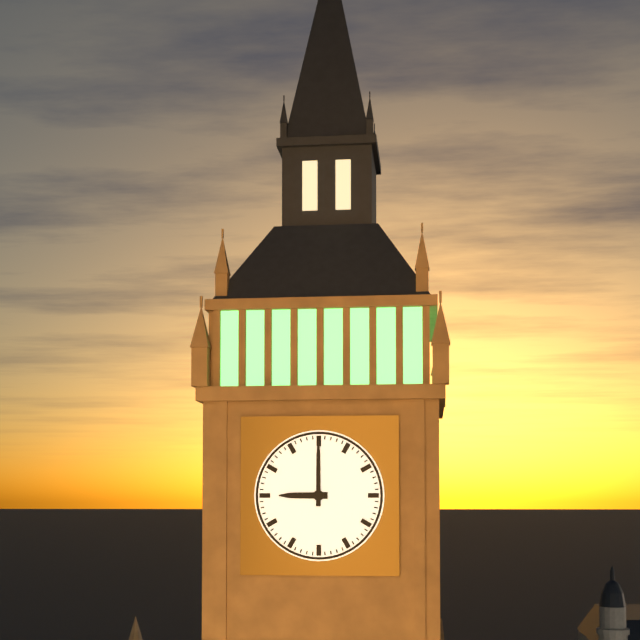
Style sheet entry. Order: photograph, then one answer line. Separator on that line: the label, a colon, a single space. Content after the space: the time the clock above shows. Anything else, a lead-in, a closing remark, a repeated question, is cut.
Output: 9:00
